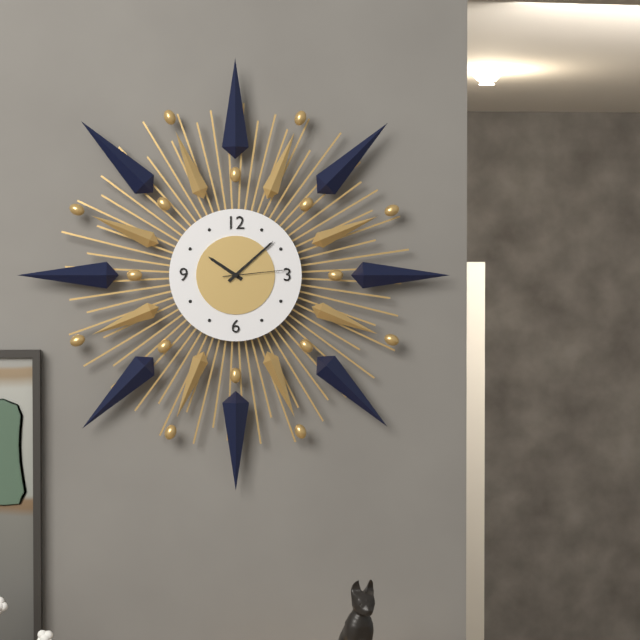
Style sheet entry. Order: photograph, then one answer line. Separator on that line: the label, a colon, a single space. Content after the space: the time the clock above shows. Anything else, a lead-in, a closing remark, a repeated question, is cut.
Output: 10:08:14
